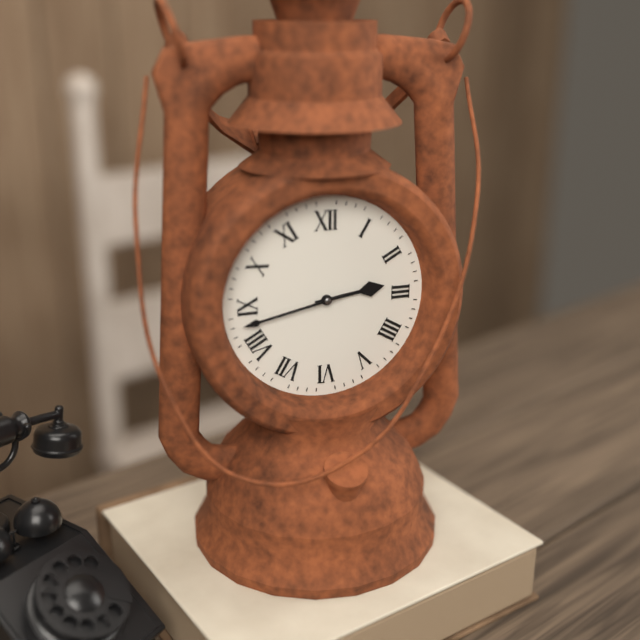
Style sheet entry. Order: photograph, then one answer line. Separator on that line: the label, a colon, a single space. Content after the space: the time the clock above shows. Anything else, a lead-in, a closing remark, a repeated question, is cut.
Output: 2:43
